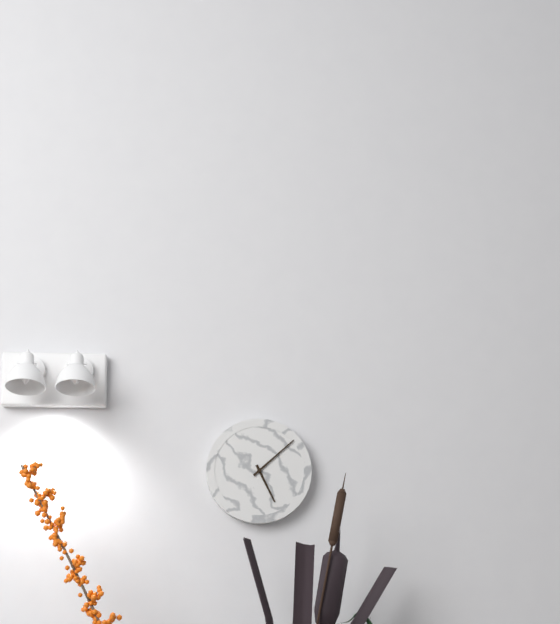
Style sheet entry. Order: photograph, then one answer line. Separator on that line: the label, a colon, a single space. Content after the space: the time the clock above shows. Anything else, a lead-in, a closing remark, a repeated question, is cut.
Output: 5:08
